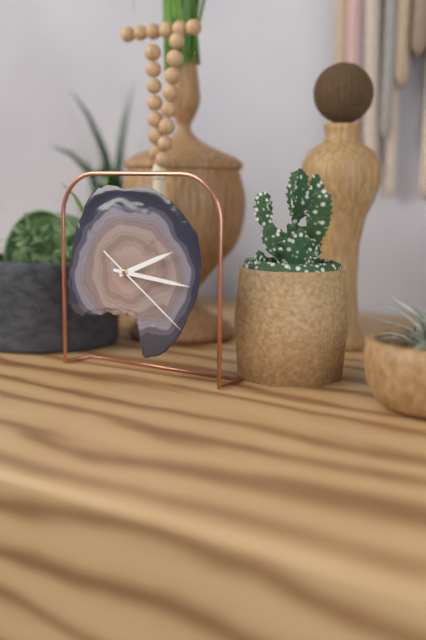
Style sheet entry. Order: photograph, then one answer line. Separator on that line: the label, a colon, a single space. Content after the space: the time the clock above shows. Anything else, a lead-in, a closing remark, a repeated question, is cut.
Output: 2:16:21
